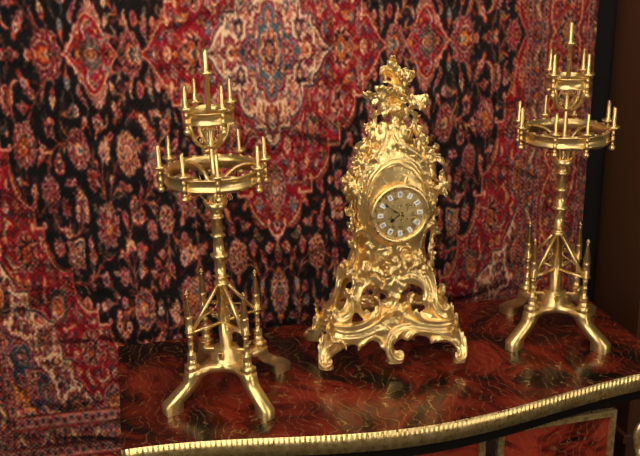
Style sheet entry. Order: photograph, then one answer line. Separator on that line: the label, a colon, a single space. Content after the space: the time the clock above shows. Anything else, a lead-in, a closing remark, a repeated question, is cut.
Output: 7:51
